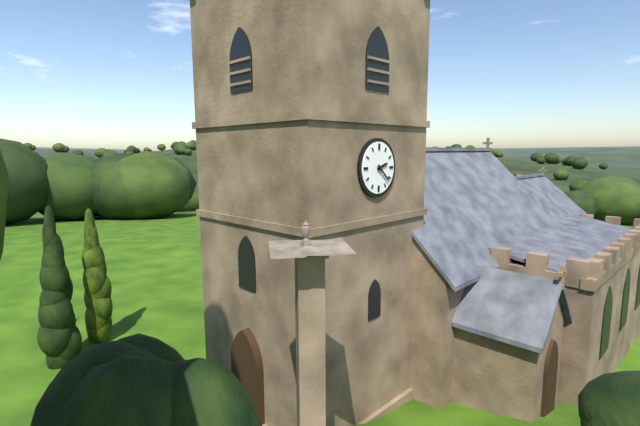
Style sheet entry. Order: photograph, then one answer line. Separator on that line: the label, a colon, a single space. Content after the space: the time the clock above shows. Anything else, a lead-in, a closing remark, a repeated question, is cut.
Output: 2:22
